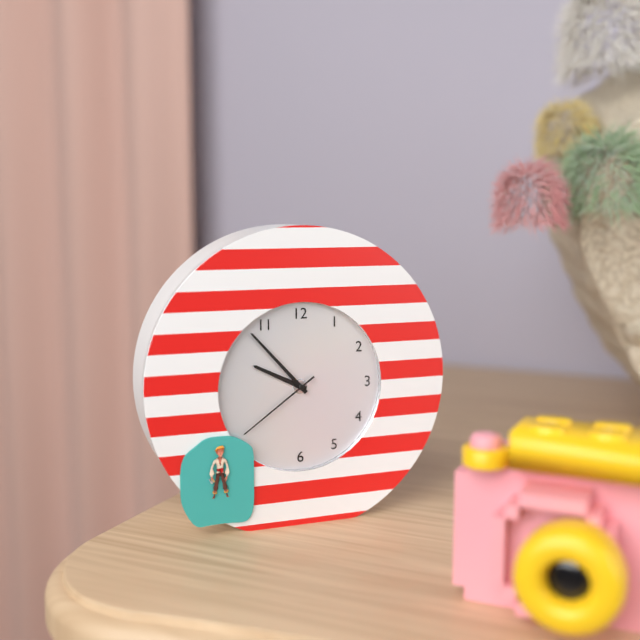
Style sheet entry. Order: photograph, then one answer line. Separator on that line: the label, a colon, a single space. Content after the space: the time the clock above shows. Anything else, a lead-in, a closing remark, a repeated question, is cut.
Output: 9:53:39
